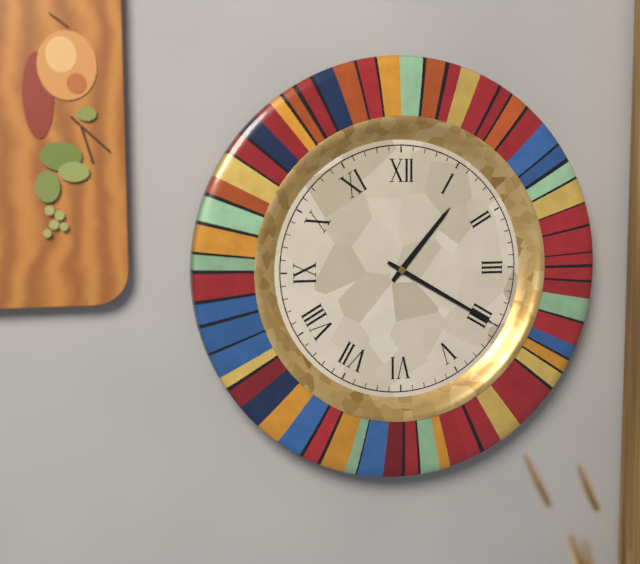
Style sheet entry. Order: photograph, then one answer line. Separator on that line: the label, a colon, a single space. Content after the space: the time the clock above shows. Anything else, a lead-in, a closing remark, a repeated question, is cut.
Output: 1:20
